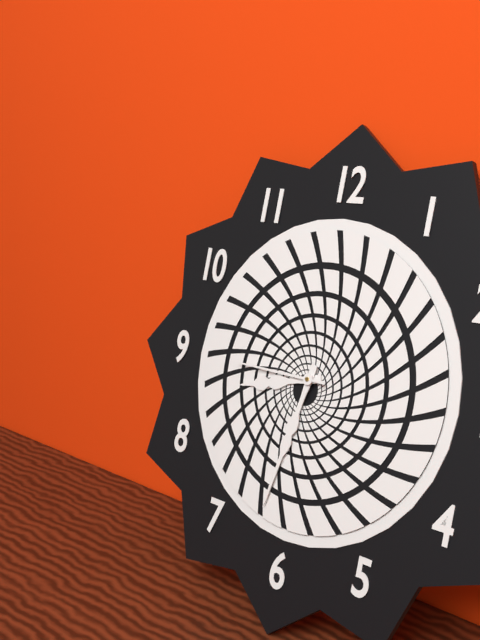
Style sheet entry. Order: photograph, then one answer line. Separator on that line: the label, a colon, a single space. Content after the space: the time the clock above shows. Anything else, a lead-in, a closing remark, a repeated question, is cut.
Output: 8:32:45
